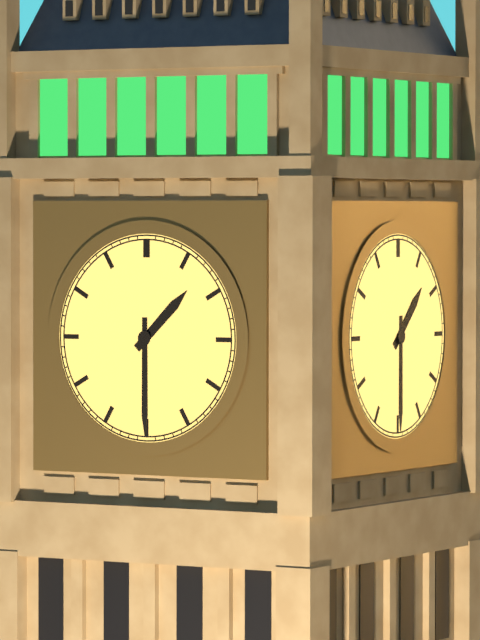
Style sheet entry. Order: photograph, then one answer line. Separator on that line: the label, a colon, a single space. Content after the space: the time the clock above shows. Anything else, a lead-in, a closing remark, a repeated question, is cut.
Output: 1:30
